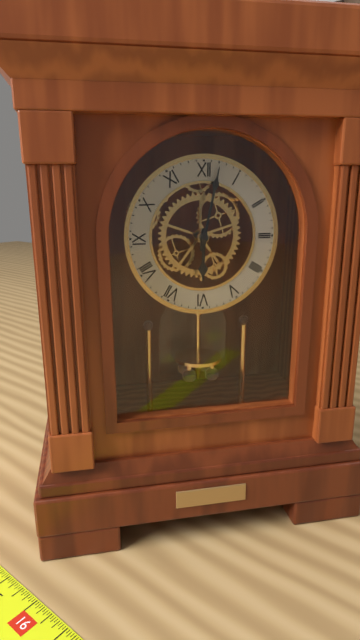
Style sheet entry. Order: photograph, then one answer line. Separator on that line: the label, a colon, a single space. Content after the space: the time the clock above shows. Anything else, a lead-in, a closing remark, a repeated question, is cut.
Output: 6:02
